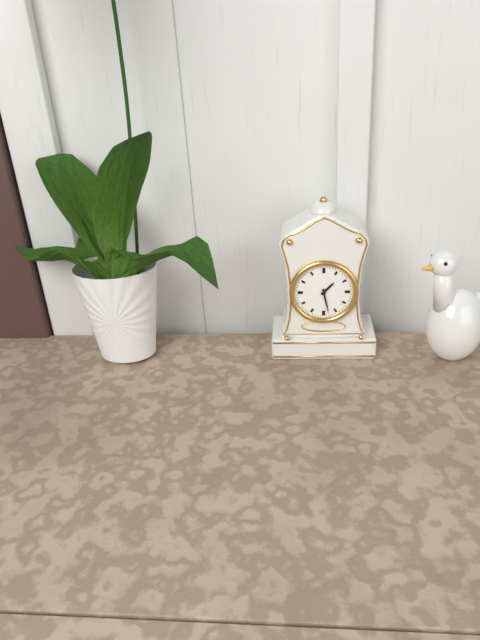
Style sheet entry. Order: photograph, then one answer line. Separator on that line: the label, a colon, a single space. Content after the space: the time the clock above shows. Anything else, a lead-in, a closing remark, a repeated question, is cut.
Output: 1:28
